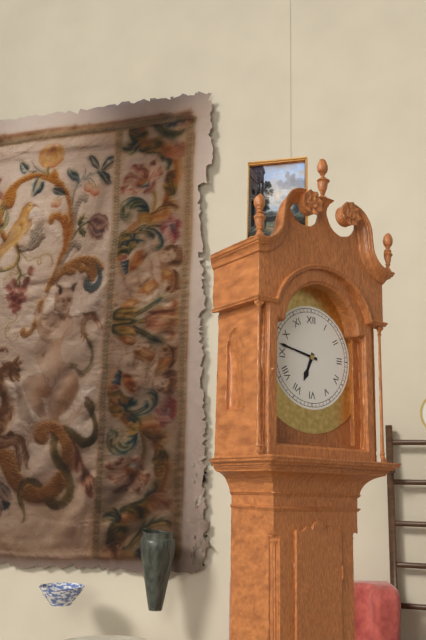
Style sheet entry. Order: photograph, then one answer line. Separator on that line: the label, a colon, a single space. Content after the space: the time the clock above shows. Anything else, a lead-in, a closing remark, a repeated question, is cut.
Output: 6:47
